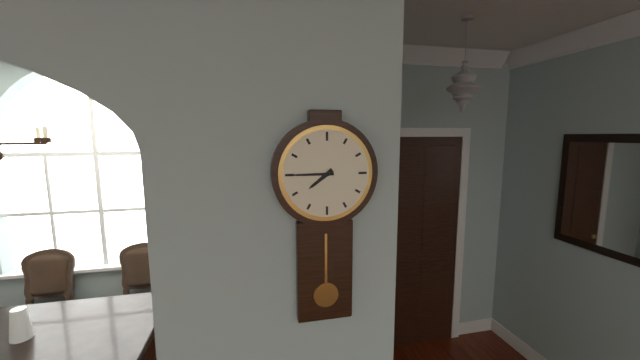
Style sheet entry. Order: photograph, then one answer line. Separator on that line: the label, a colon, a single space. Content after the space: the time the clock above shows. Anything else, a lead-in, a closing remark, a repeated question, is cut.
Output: 7:45
